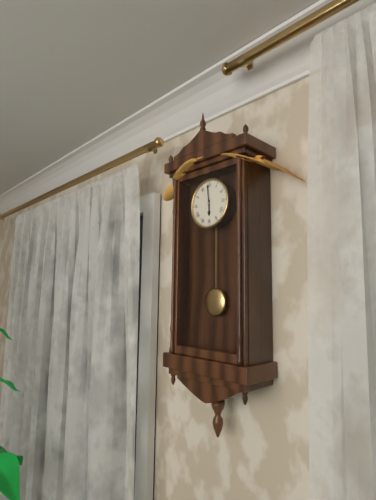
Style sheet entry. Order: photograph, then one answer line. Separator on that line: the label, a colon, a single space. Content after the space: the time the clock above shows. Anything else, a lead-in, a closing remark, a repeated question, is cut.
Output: 5:59
